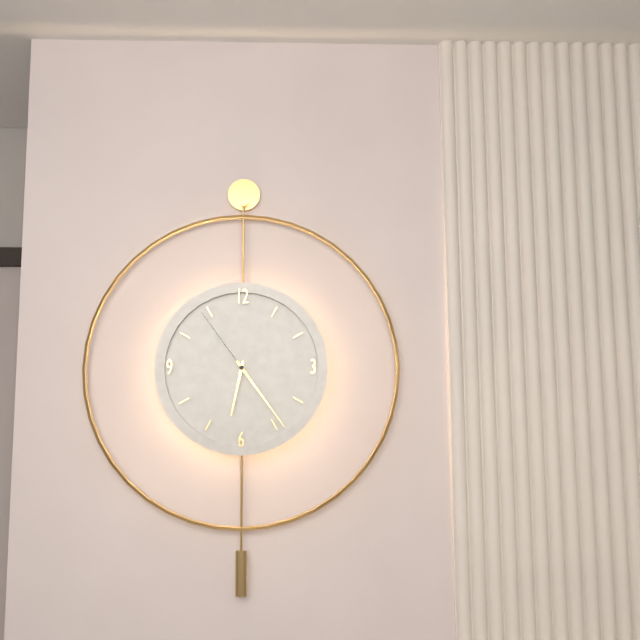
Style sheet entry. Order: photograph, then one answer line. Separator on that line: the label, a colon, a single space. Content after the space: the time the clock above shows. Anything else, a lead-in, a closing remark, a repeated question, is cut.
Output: 6:24:54
